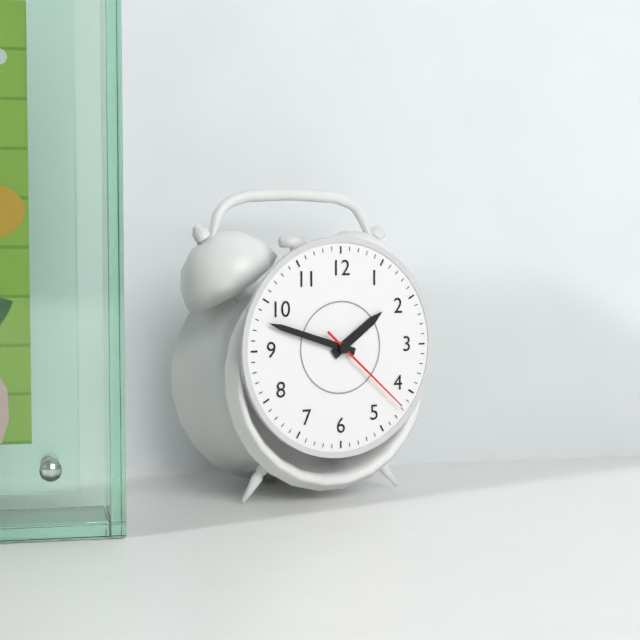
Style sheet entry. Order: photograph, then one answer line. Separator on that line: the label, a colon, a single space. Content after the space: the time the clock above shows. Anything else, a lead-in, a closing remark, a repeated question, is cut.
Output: 1:48:22
